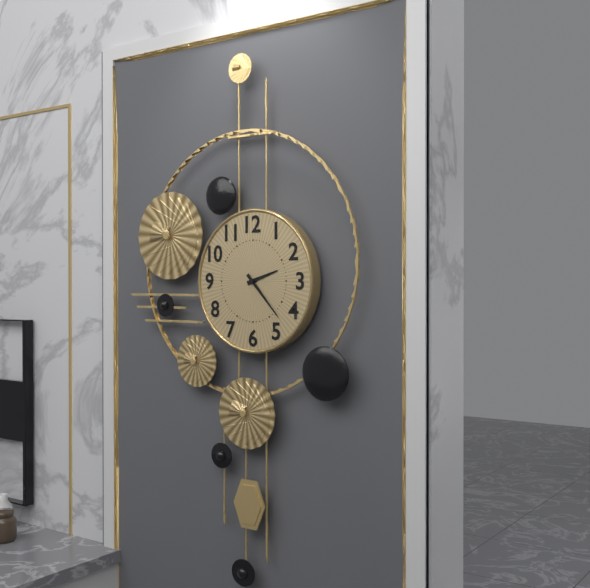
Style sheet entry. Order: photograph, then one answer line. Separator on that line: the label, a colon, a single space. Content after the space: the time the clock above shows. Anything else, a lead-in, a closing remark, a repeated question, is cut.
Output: 2:23
